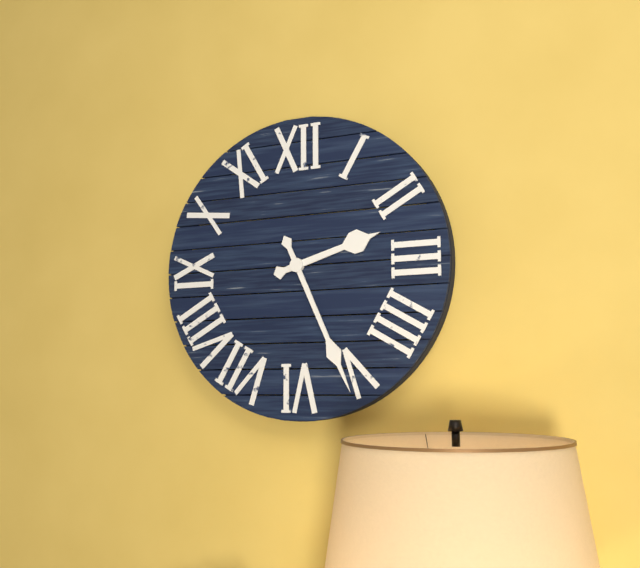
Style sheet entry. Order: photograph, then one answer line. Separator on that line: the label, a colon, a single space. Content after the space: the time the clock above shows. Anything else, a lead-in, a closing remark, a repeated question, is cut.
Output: 2:26
